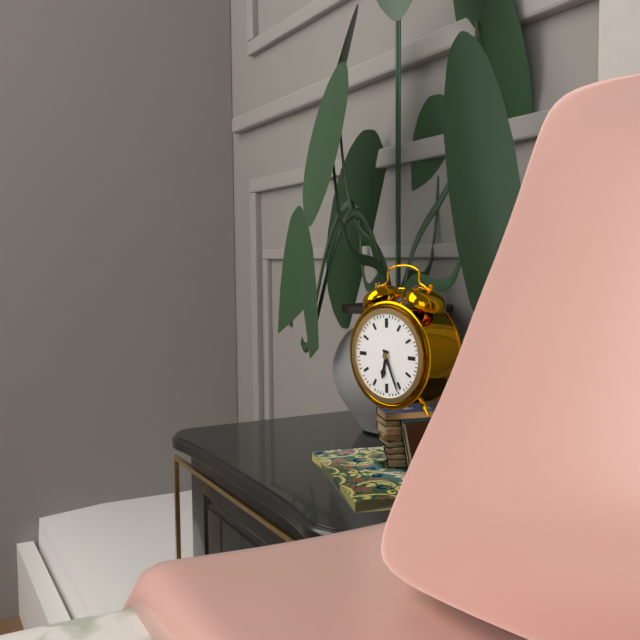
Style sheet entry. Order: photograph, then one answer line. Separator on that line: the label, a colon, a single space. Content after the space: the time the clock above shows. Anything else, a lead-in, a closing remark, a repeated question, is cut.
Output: 6:26
